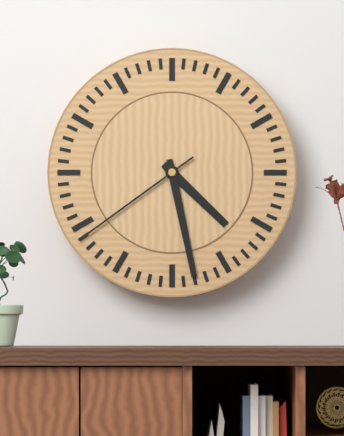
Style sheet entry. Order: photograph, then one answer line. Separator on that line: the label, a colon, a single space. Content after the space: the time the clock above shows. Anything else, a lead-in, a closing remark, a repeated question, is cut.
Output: 4:28:39
